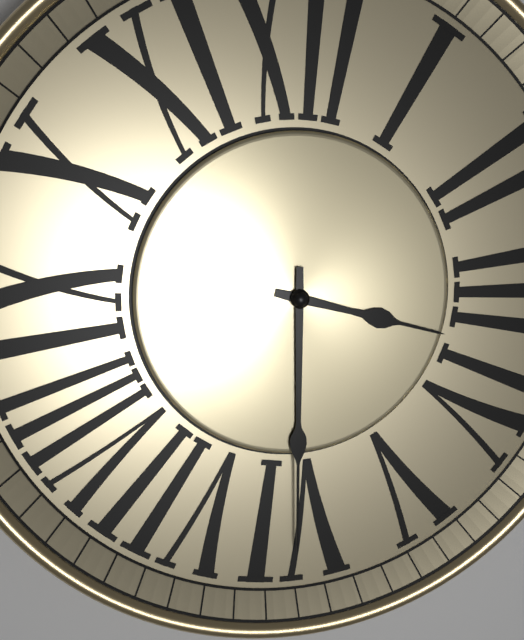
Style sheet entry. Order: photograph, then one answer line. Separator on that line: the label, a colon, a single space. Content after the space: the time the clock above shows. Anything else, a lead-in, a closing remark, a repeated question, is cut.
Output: 3:30
